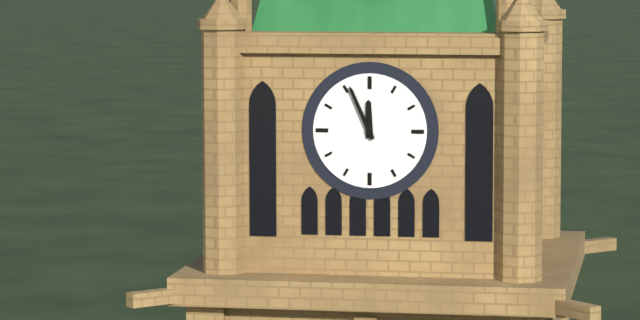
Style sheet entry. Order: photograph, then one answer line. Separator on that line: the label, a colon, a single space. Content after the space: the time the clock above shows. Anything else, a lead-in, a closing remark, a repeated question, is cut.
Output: 11:56
